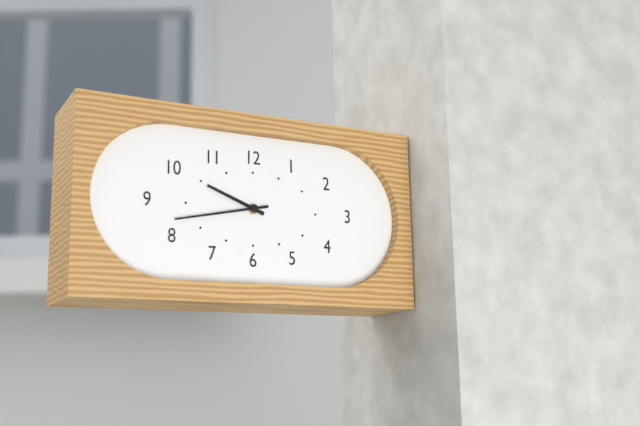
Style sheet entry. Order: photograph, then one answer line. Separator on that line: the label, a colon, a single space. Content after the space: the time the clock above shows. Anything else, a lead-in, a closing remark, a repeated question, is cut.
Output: 9:43
